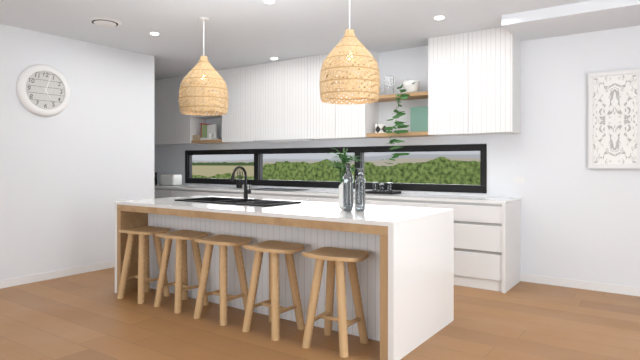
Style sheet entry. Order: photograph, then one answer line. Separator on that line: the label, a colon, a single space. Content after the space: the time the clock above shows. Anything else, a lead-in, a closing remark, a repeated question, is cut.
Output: 5:03
